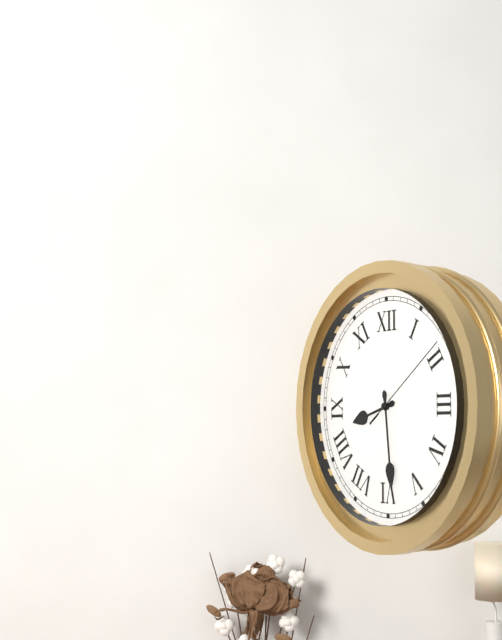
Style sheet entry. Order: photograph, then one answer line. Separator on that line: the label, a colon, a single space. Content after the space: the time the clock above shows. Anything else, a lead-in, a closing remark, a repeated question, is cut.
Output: 8:29:09
